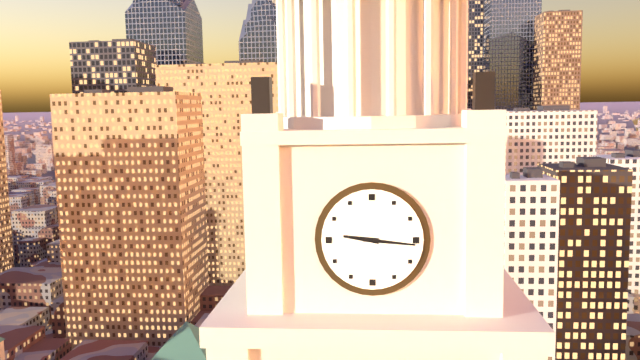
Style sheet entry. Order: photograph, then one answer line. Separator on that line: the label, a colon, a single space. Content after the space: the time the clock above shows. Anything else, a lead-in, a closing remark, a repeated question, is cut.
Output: 9:16
